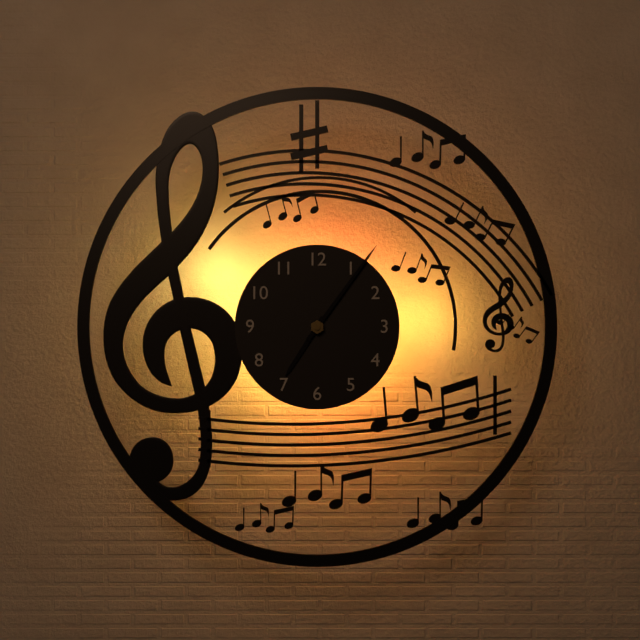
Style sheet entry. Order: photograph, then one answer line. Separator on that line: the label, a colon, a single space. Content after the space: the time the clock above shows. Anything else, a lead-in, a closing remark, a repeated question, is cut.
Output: 7:06
